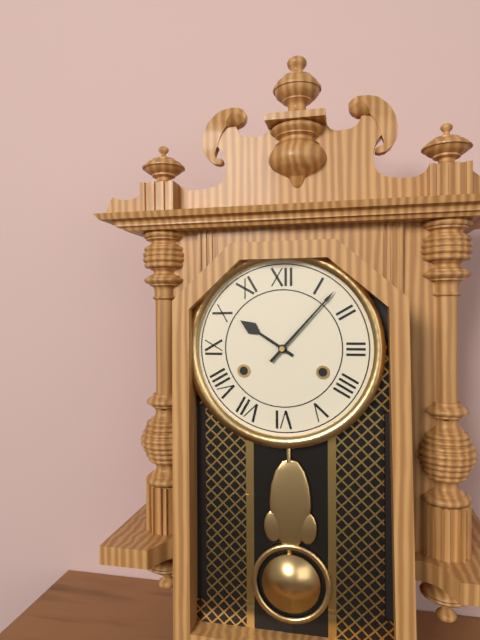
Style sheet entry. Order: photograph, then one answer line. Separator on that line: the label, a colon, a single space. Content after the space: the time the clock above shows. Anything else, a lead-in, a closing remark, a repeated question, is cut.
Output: 10:07
